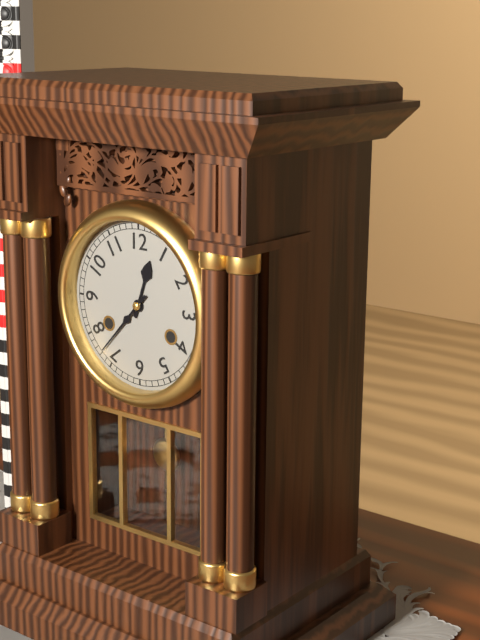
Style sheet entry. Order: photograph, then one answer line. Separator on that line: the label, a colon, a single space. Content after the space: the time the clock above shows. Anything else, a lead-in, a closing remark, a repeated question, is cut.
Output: 12:37
